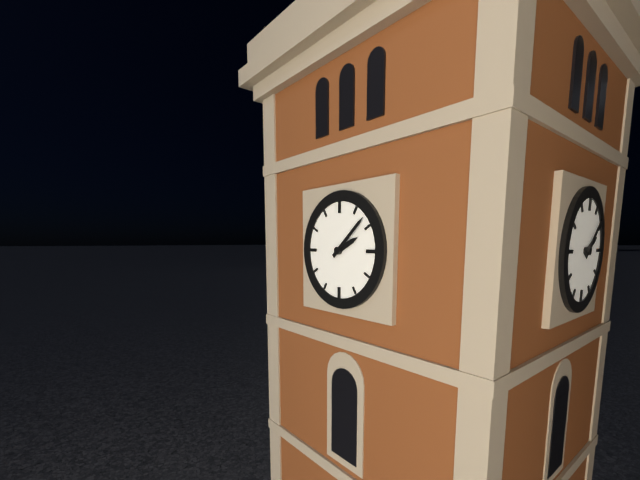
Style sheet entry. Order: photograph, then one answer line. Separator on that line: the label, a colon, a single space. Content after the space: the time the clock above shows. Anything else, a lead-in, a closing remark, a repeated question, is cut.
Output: 2:08
